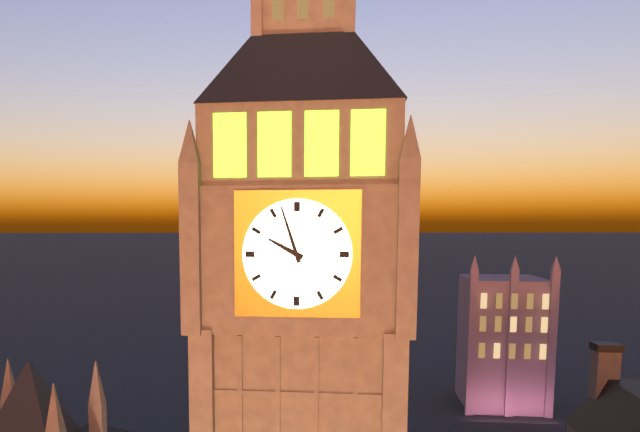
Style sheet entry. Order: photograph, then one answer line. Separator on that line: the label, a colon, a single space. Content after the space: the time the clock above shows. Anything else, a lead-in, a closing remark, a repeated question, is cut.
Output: 9:57
